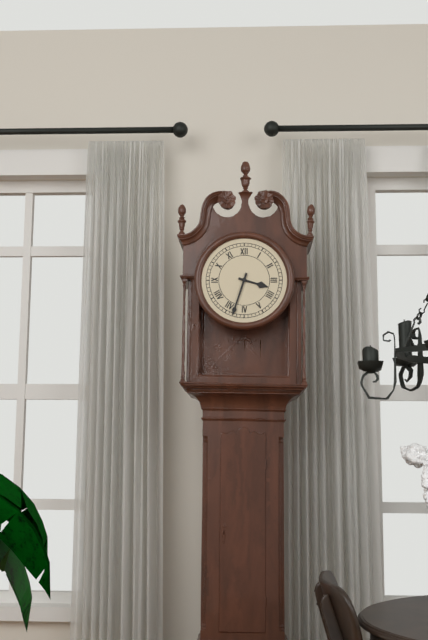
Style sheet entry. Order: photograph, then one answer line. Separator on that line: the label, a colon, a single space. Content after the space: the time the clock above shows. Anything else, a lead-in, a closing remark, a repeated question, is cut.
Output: 3:33
